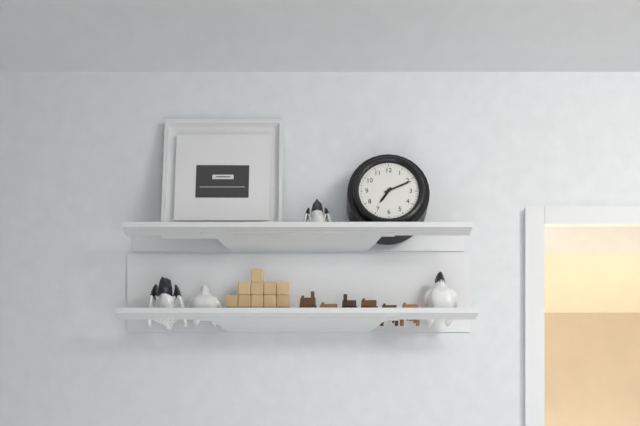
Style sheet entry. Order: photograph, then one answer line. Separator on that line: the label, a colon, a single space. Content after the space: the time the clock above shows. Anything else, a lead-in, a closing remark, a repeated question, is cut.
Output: 7:11
